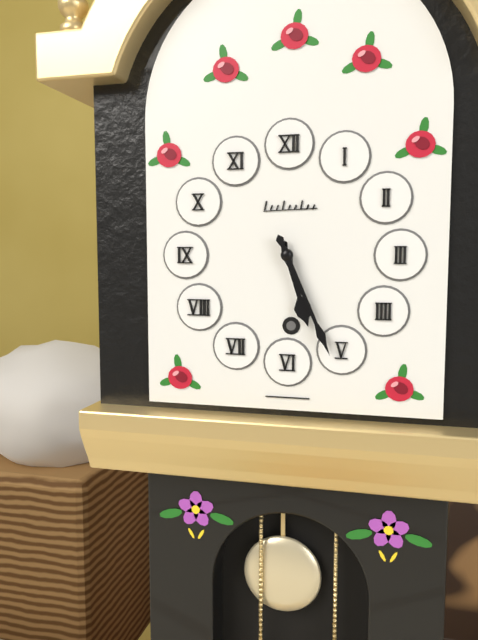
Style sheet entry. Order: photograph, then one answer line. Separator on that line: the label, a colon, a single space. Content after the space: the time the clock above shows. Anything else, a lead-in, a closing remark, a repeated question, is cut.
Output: 5:26
